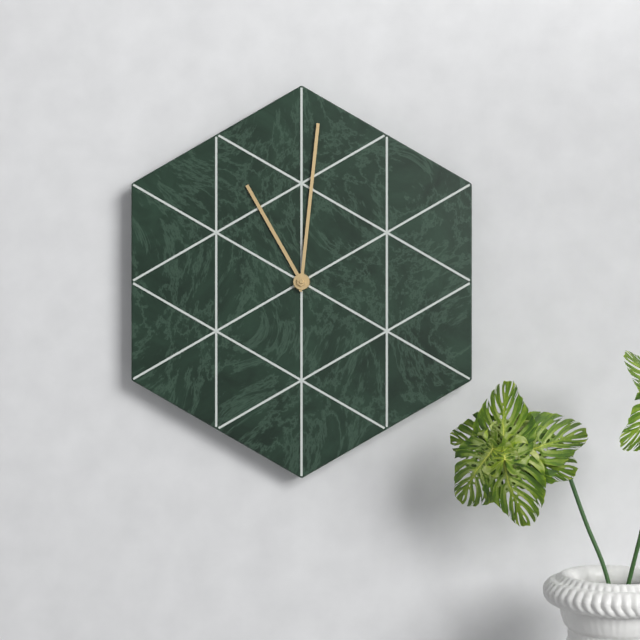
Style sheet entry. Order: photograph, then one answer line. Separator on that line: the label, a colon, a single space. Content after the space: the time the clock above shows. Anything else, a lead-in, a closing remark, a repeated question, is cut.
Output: 11:01
